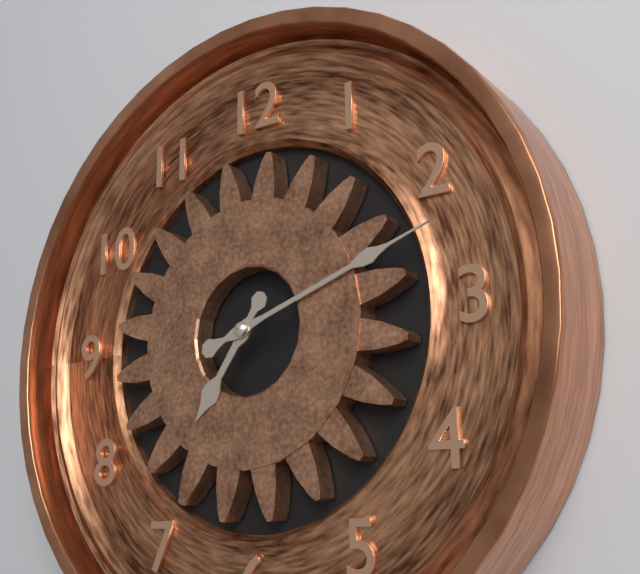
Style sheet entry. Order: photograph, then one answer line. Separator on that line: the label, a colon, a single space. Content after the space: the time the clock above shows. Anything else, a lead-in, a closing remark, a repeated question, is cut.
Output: 7:12
